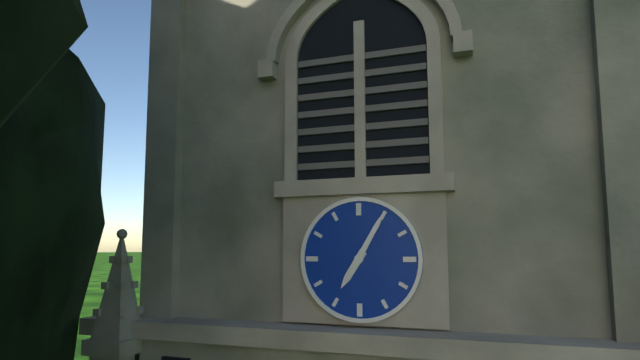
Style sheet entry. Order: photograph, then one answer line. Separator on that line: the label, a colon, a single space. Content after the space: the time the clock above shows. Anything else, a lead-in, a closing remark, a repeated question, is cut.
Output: 7:05
